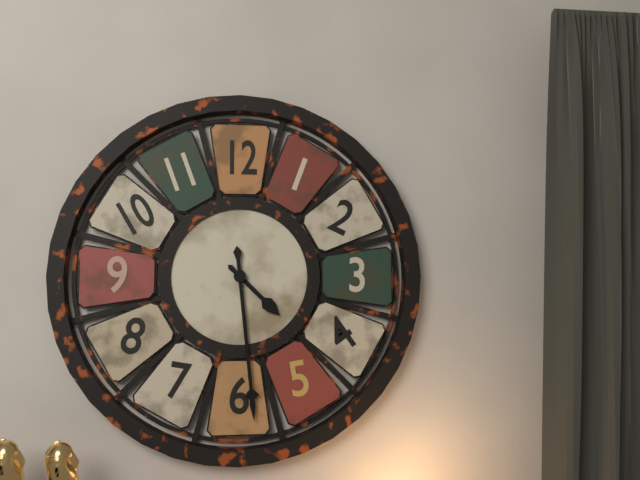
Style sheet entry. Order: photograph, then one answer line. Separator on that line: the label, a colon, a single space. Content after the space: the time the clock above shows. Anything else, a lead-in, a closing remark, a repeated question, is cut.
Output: 4:29
